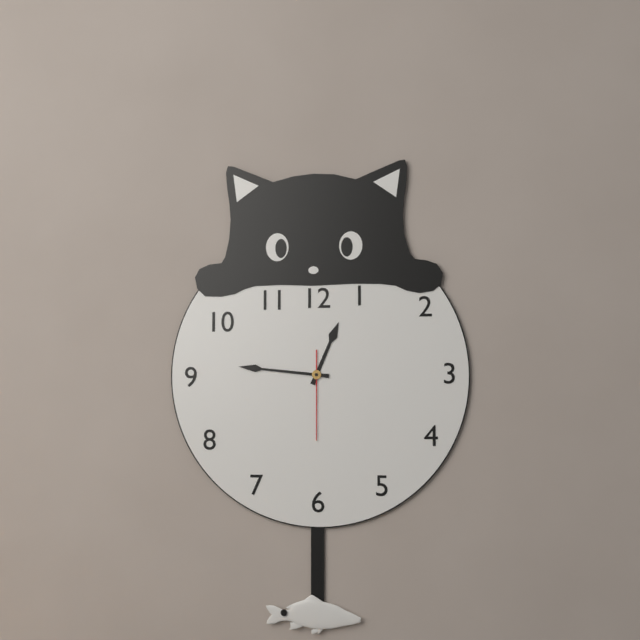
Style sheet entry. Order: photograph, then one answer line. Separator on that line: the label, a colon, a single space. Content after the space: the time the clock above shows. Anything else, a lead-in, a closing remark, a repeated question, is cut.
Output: 12:46:30
